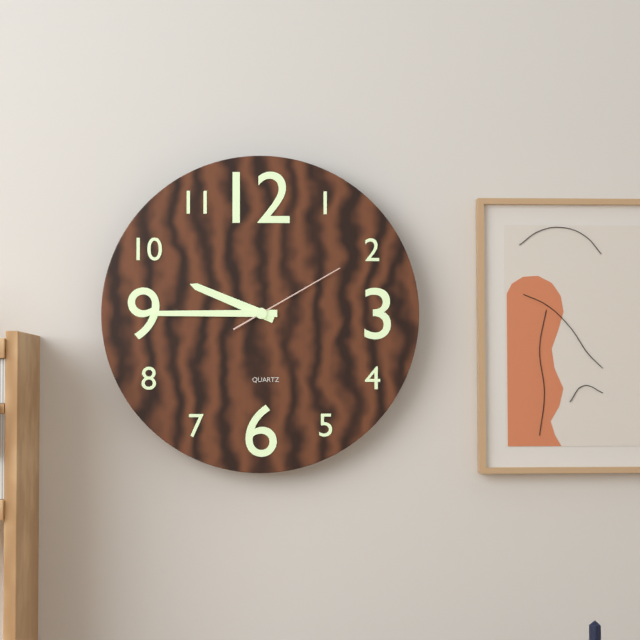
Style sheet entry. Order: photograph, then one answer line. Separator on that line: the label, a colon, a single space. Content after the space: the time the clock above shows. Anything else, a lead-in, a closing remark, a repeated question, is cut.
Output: 9:45:10
